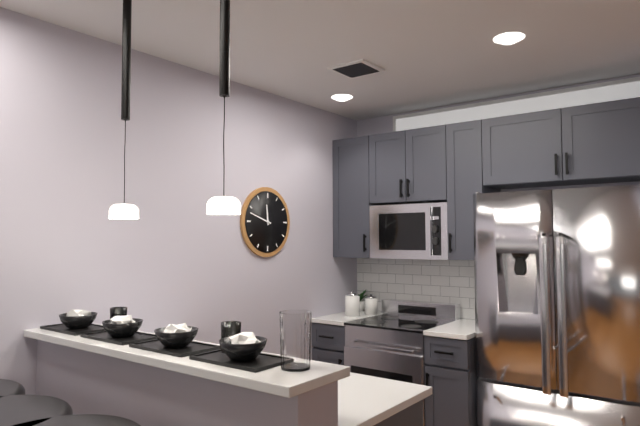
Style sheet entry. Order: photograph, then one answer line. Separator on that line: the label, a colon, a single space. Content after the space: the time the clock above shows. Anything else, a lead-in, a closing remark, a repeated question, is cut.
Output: 11:48
